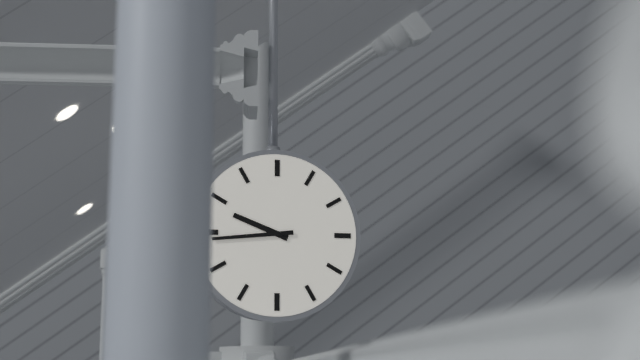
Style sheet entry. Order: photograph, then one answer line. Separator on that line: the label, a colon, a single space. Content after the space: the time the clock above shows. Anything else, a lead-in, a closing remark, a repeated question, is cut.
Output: 9:44
